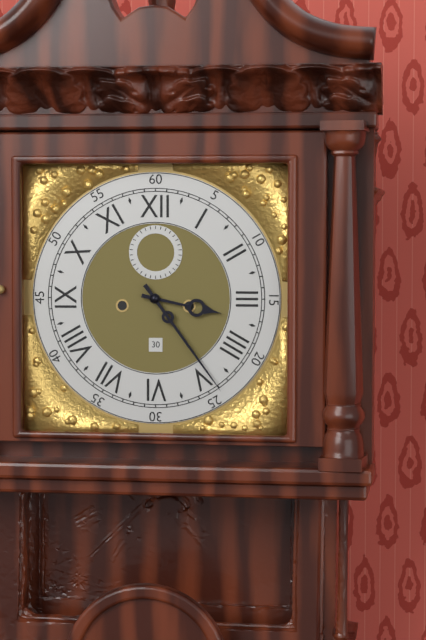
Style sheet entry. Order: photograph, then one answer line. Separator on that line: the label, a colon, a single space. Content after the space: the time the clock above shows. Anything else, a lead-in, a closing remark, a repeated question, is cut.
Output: 3:24
